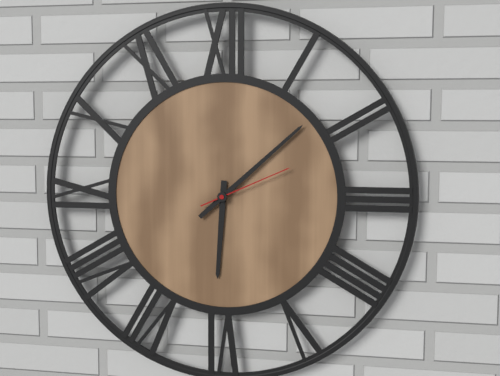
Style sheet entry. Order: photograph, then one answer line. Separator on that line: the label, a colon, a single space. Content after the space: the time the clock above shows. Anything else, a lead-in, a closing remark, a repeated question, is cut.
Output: 6:08:11
